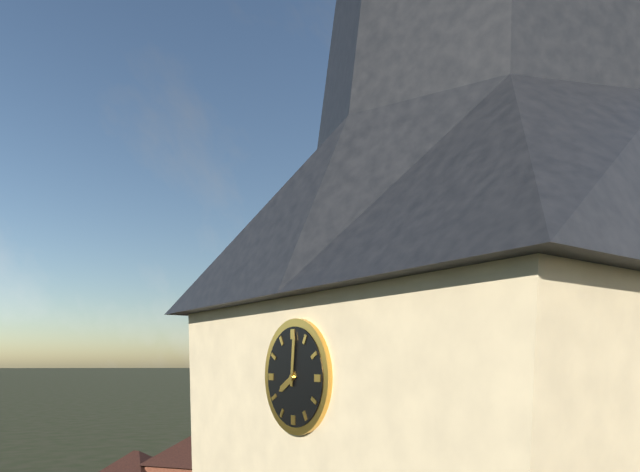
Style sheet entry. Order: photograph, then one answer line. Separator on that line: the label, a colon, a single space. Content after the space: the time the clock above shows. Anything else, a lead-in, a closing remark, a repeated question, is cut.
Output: 8:01
